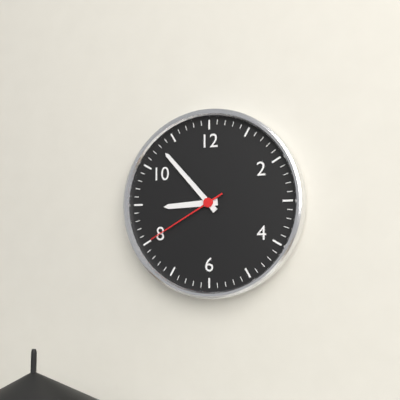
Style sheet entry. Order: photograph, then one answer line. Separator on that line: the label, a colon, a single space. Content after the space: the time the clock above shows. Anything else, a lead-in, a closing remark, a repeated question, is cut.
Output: 8:53:40
